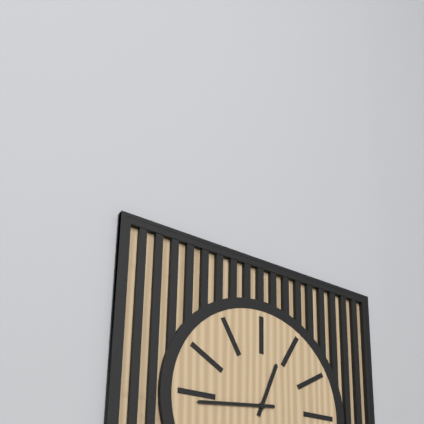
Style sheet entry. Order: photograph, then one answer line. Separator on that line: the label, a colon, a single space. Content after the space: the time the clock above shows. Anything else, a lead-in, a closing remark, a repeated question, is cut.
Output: 12:44
